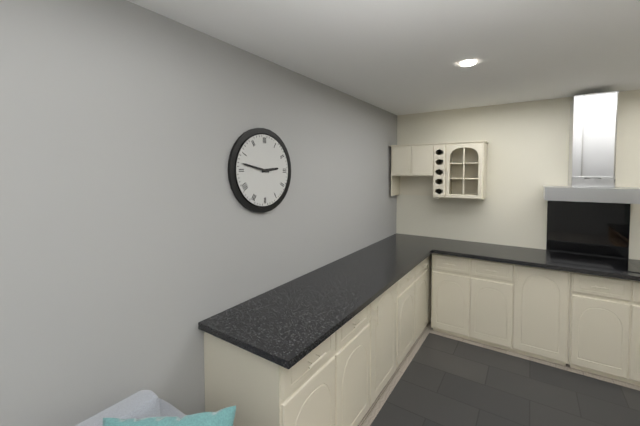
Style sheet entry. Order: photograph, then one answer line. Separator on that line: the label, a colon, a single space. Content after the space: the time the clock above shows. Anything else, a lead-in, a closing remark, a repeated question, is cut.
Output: 2:47
